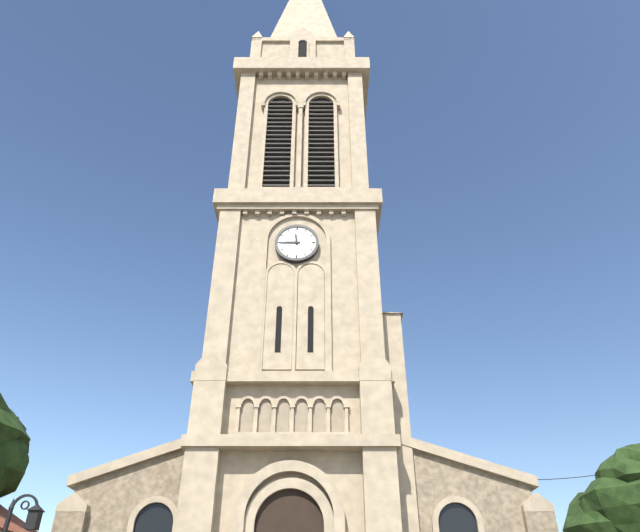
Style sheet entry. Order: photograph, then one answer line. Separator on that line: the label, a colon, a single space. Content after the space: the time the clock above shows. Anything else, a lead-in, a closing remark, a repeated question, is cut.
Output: 11:45
